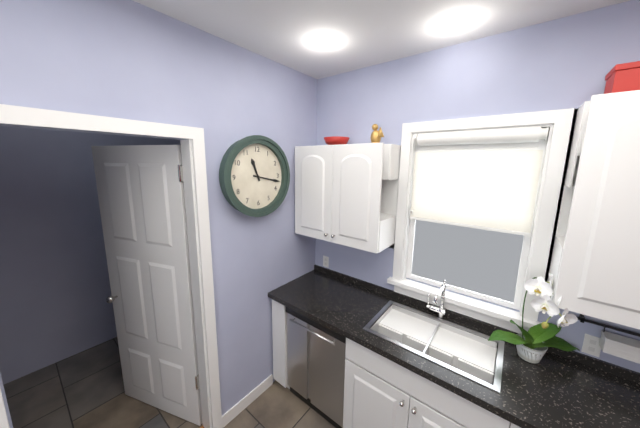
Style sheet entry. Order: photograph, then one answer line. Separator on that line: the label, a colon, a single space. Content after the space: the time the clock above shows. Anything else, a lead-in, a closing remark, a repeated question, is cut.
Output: 11:17
